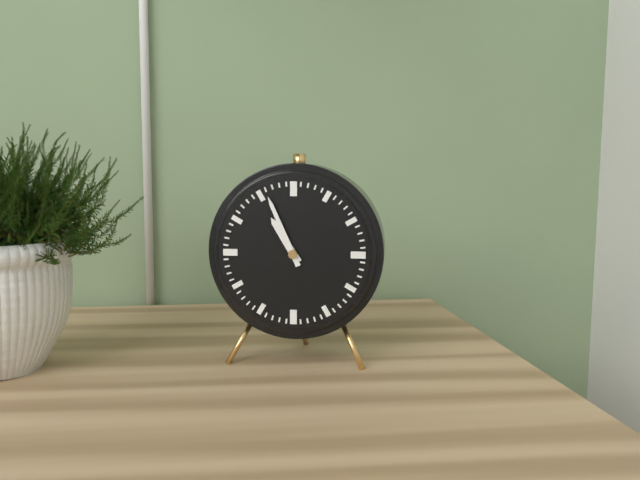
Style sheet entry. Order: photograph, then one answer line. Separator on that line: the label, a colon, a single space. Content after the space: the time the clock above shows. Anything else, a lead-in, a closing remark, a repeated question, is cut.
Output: 10:56
